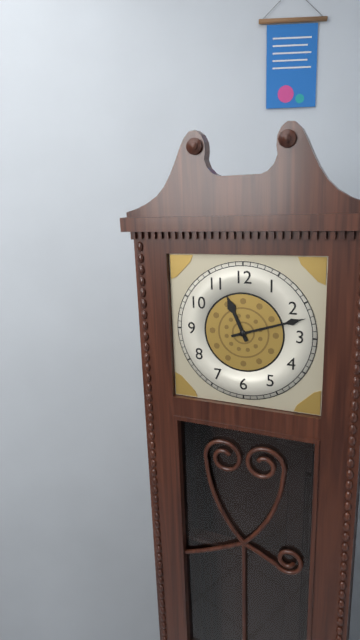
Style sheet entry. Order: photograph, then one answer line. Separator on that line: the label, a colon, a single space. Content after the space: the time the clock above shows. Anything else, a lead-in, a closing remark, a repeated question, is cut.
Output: 11:12
